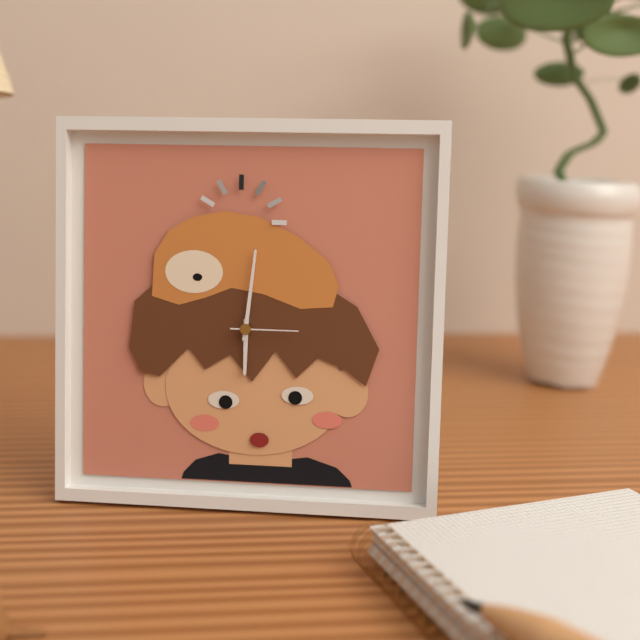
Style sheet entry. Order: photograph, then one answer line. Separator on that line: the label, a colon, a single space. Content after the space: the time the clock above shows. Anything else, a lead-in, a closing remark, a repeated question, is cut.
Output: 6:01:15
